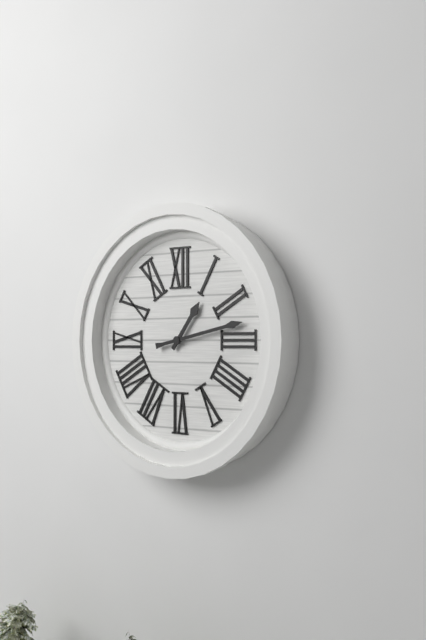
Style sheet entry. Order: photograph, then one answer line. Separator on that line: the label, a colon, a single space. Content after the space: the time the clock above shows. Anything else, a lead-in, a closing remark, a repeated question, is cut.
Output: 1:13
